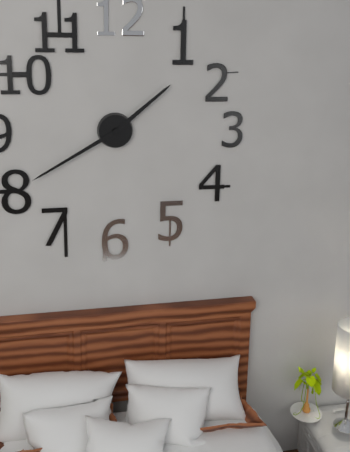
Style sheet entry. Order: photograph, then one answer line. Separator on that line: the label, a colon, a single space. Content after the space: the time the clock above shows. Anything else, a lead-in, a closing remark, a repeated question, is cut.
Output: 1:40
